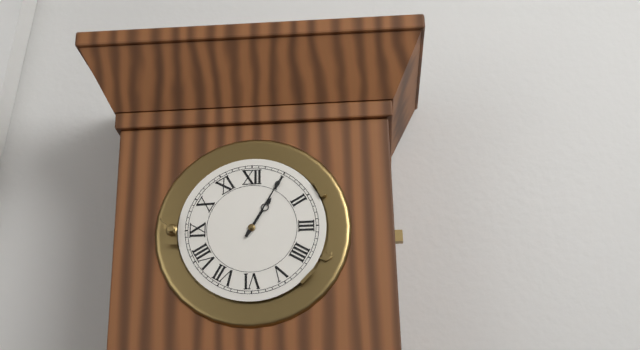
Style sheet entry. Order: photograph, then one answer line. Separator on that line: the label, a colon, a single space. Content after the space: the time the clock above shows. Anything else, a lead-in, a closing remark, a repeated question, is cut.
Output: 1:05
